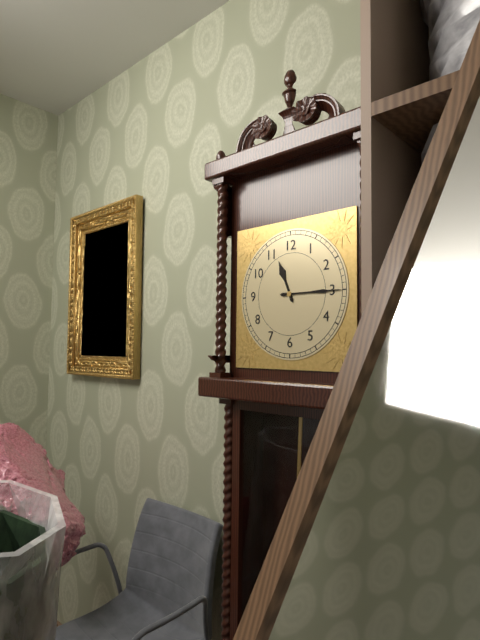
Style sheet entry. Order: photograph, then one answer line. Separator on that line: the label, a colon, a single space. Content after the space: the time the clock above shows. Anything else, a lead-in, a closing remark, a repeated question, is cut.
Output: 11:15
